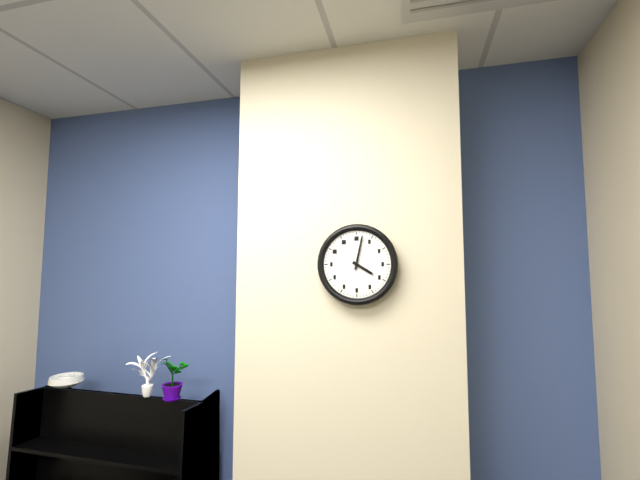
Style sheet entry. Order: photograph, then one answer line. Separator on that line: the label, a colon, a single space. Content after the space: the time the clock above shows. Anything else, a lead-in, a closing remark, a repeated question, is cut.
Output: 4:02
